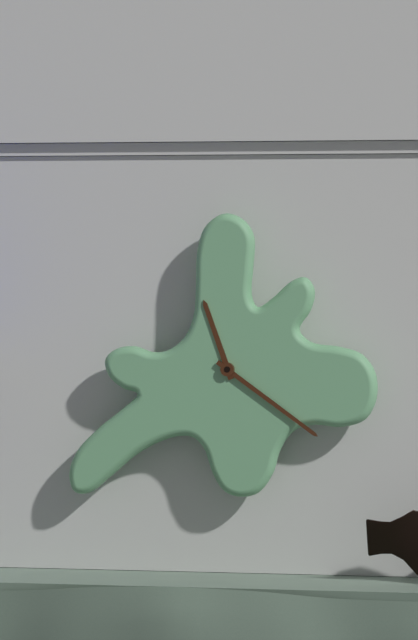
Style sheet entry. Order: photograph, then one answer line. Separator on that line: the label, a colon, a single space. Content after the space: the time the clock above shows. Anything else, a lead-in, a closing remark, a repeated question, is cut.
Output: 11:21
